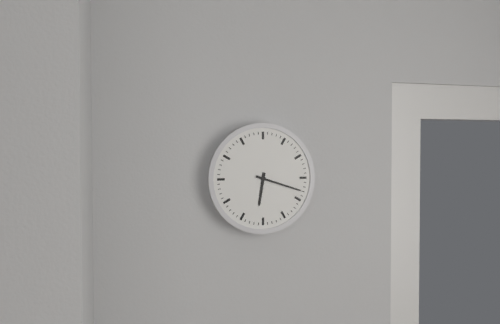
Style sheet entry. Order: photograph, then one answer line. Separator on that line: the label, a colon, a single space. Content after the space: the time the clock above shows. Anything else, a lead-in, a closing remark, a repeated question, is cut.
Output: 6:18
